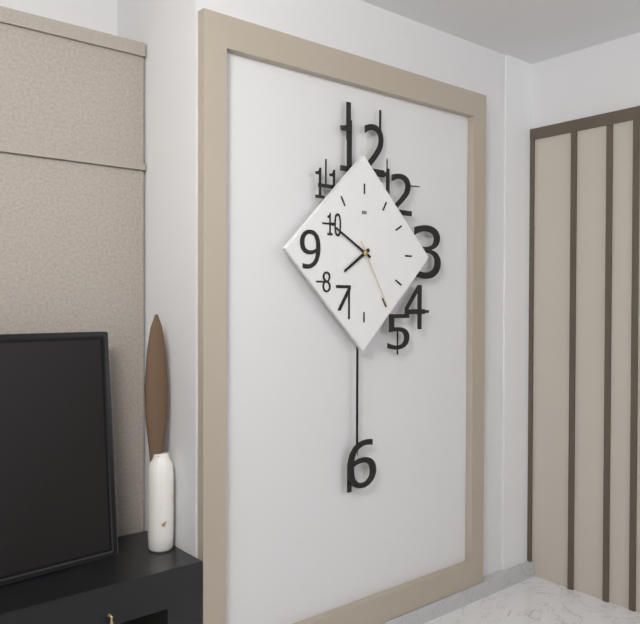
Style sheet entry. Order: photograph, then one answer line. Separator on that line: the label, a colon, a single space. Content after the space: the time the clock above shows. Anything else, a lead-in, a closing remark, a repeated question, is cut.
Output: 7:50:25
